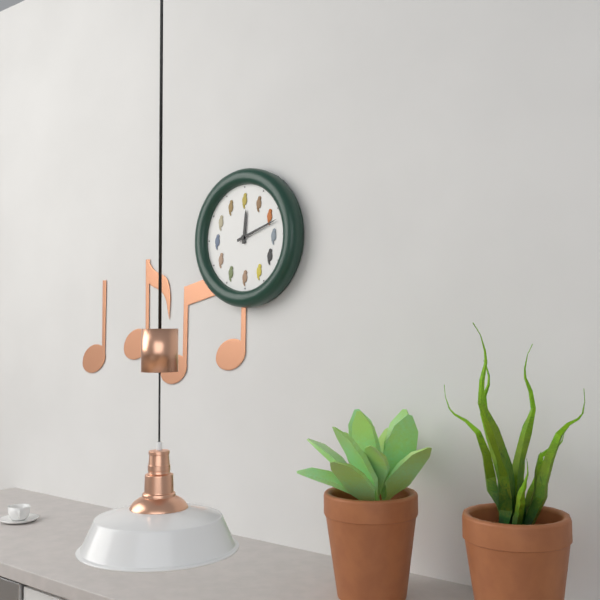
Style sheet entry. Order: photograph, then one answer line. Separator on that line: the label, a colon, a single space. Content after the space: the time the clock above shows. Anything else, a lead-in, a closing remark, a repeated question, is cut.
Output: 12:12
